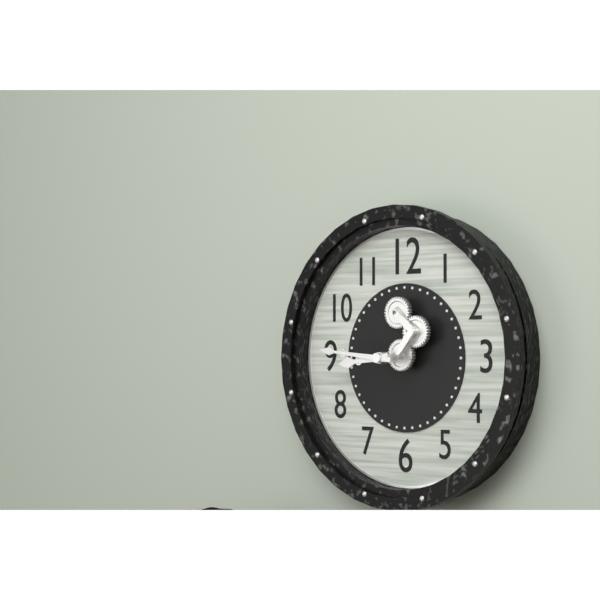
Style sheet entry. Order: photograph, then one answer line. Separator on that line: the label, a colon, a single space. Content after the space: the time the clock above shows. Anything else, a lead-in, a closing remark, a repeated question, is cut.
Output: 8:46
